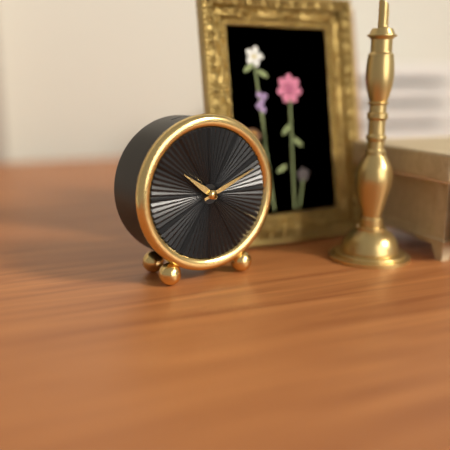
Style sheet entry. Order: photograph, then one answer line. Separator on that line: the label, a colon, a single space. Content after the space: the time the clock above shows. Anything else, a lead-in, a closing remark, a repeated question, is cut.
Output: 10:11
